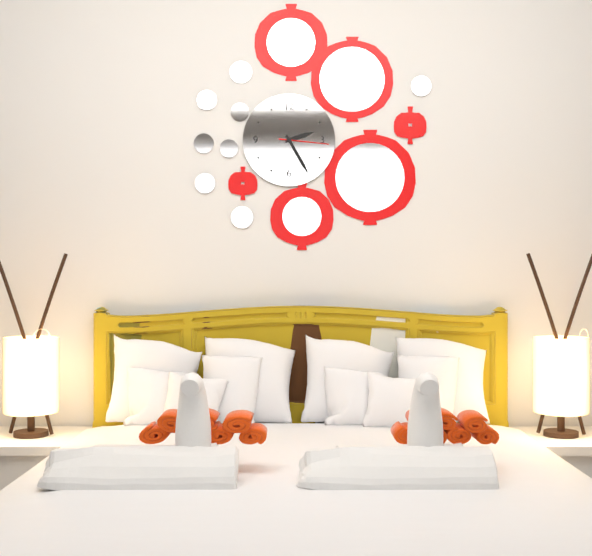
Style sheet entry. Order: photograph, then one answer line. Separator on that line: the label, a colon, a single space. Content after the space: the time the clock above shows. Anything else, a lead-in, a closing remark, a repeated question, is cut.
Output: 2:25:16
